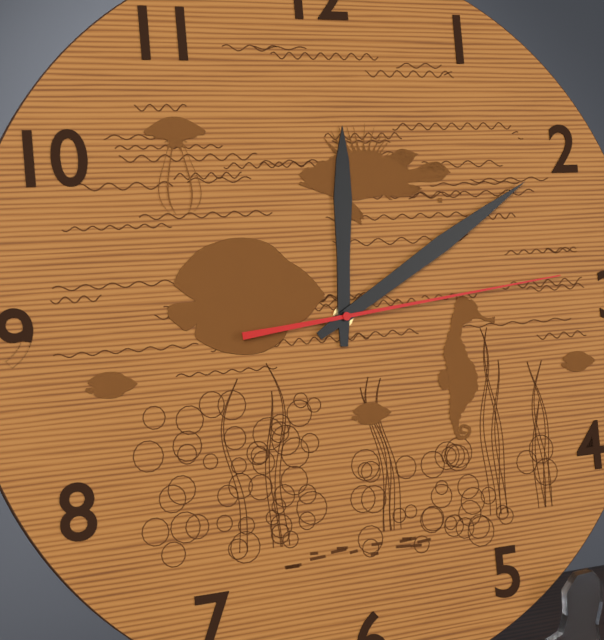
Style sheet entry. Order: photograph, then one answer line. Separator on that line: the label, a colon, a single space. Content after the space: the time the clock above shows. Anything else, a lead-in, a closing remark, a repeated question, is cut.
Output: 12:10:14
